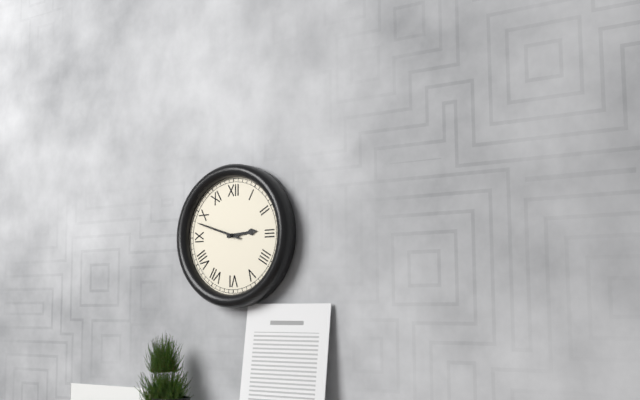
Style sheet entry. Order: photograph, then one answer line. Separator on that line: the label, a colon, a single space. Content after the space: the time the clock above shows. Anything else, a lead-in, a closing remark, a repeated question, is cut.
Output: 2:48
